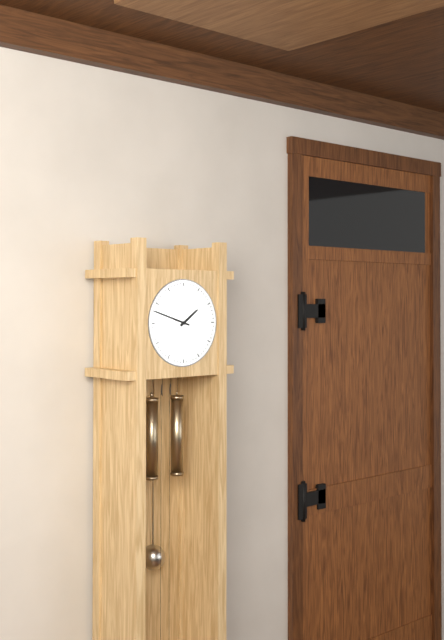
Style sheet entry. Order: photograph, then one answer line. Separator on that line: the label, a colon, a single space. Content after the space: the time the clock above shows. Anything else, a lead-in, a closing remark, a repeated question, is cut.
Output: 1:48
